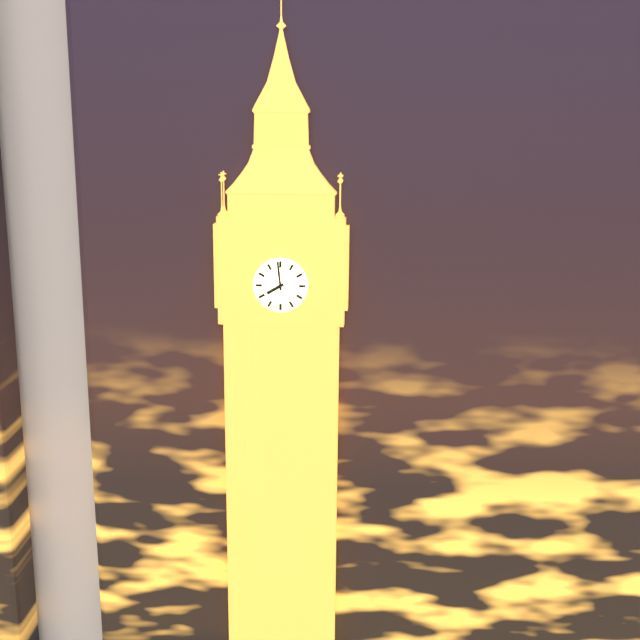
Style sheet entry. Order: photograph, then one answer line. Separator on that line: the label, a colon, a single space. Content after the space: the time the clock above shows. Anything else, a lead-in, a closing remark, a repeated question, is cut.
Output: 7:59
